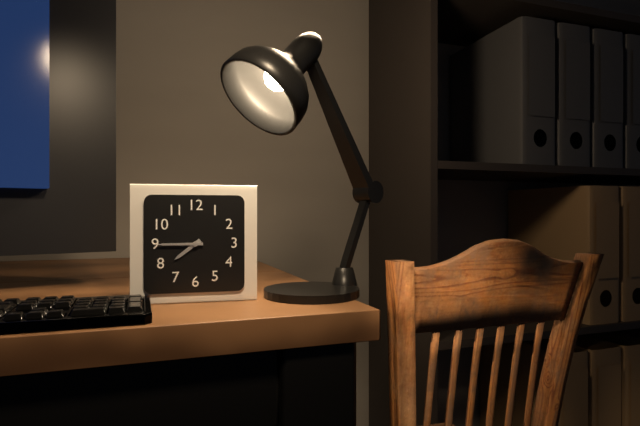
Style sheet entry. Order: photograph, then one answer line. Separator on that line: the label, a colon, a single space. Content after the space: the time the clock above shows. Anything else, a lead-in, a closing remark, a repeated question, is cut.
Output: 7:45
